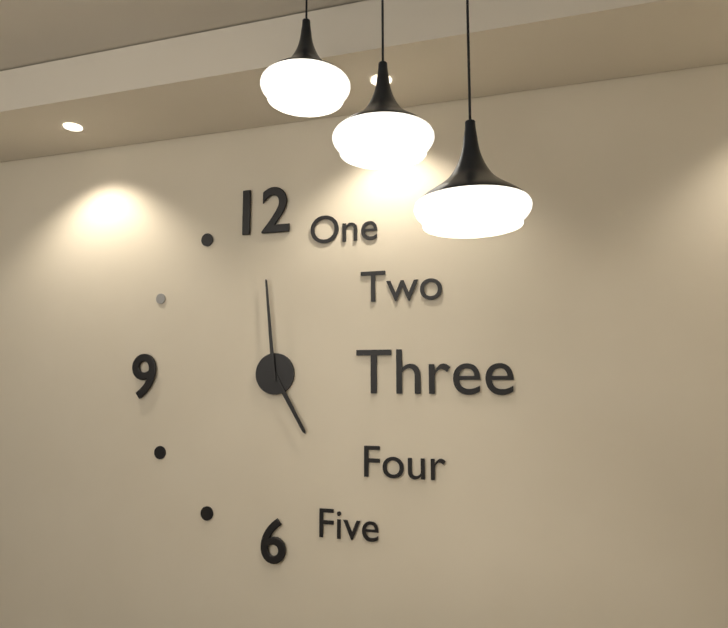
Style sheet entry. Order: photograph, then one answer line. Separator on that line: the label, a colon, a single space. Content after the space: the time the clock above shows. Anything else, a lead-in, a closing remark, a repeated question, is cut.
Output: 4:59
